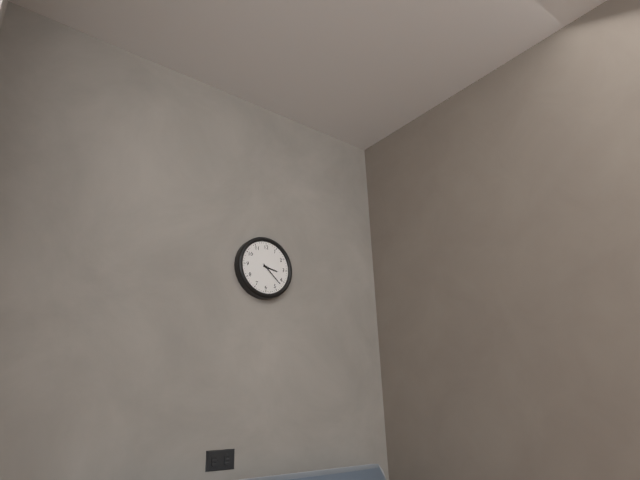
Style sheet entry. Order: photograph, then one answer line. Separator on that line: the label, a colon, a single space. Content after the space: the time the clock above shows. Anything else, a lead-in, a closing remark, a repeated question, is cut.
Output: 3:22
